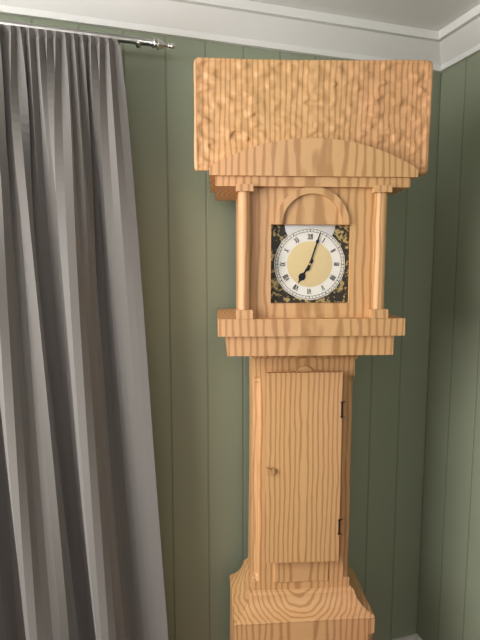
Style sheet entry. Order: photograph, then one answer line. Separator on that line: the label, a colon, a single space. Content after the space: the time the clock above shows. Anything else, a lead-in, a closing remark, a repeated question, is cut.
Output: 7:03
